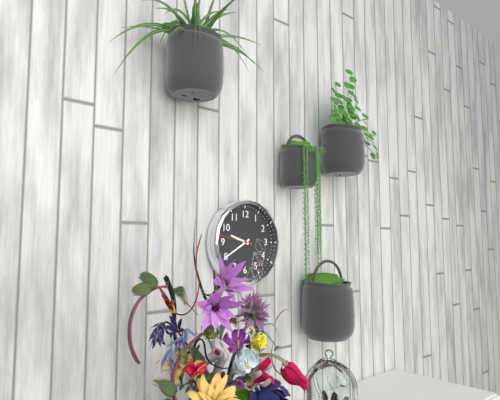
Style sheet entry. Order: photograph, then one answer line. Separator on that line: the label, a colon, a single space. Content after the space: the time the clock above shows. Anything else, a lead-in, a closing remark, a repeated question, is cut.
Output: 9:40
